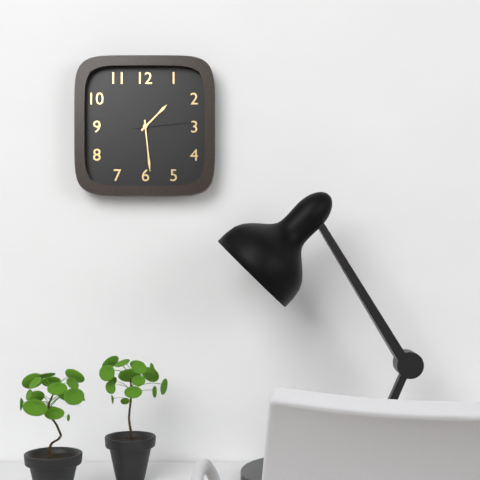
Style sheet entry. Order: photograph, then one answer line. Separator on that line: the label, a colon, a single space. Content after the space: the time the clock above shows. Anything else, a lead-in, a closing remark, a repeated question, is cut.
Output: 1:29:14
